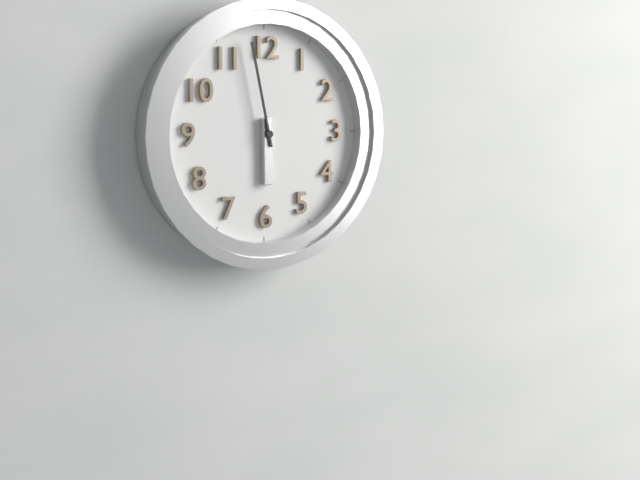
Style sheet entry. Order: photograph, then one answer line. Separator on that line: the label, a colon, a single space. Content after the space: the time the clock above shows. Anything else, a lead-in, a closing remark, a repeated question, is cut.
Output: 5:58
